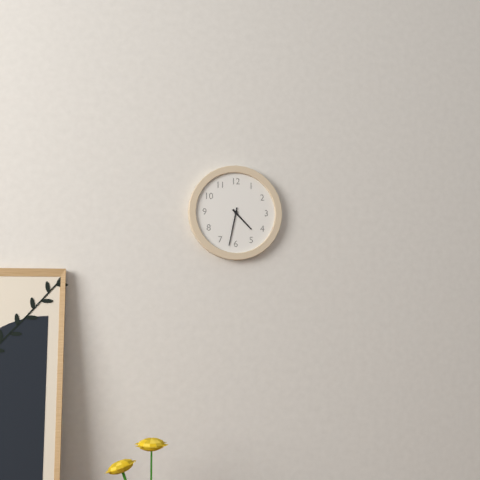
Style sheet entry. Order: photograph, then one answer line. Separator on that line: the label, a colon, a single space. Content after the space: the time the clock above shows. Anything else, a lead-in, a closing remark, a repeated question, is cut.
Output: 4:32
